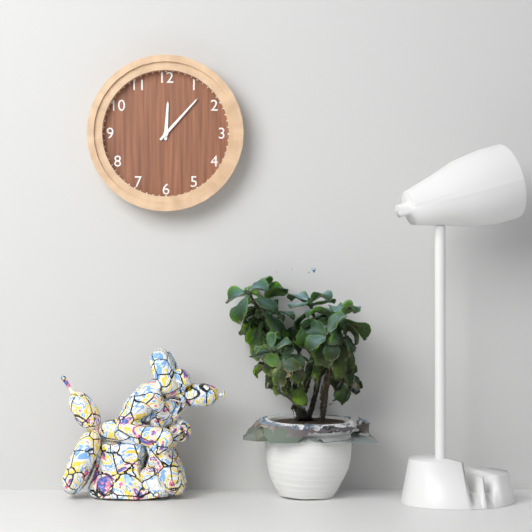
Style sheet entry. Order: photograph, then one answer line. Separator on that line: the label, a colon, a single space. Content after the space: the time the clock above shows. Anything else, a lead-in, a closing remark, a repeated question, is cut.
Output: 12:07
